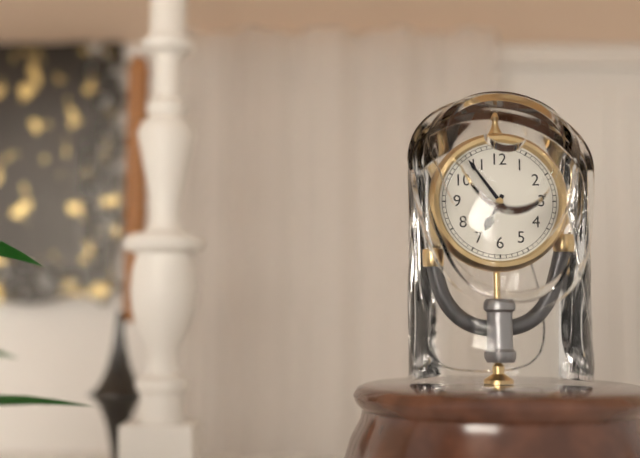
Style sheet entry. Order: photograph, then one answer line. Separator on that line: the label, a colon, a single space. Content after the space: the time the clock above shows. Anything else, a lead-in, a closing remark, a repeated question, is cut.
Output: 6:54
